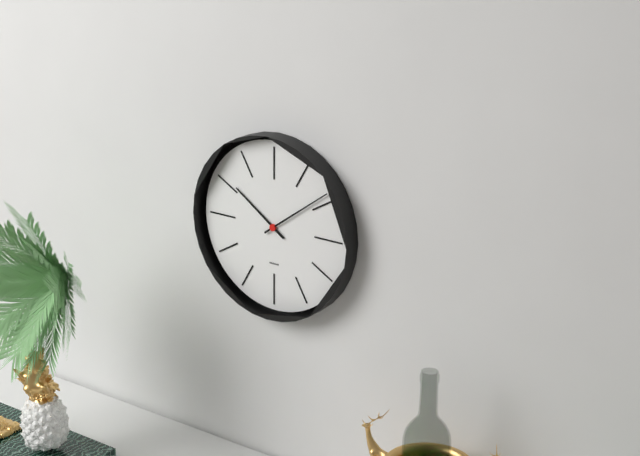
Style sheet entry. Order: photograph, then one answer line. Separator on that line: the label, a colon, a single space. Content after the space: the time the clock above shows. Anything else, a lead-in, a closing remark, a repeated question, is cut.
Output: 10:09
